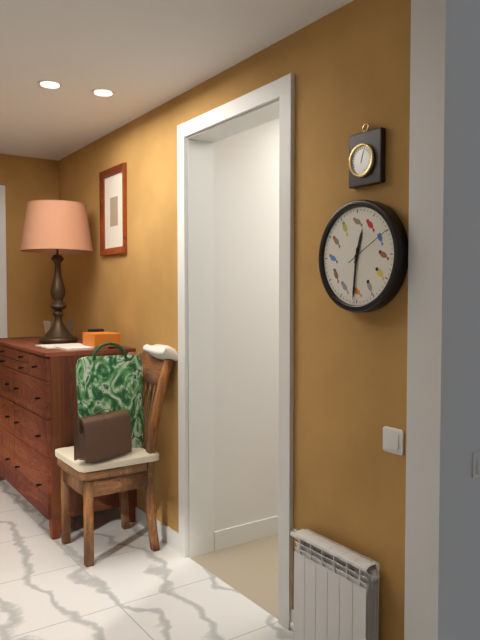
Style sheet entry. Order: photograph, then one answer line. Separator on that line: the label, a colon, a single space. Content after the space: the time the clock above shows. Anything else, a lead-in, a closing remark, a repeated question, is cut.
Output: 12:31
